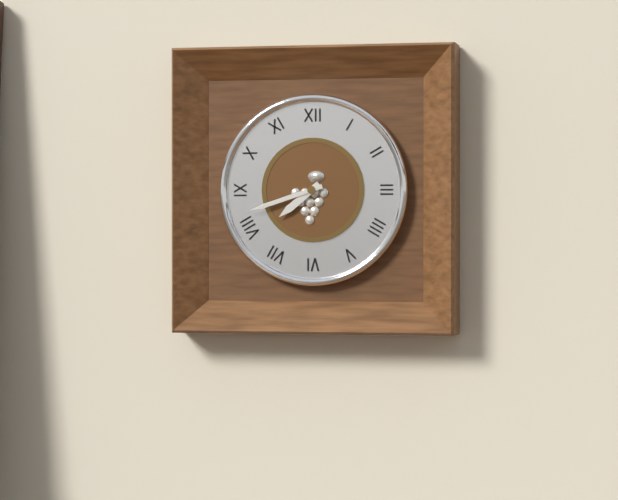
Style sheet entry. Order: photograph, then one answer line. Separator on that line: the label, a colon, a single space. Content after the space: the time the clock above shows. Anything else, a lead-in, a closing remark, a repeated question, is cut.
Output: 7:42
